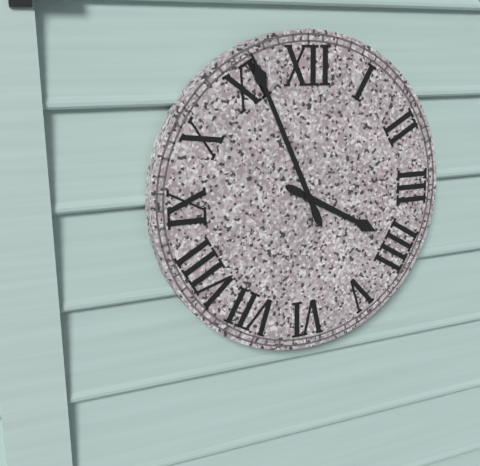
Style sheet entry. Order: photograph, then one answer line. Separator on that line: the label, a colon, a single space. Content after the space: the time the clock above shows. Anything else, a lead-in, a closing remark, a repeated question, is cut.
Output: 3:56
